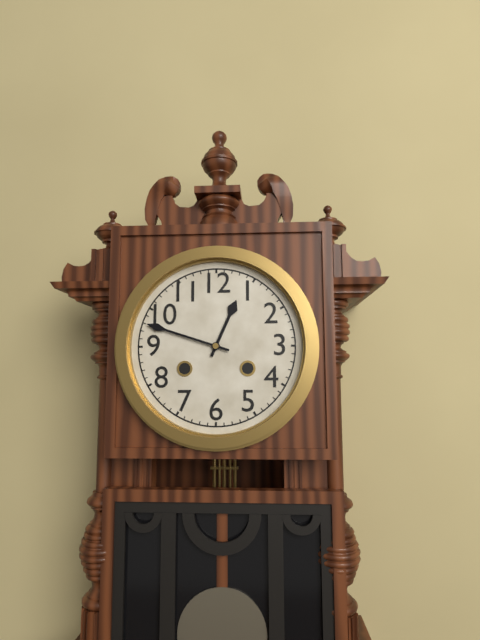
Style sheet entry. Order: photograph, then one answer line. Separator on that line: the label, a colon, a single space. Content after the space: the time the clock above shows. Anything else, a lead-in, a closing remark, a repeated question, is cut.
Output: 12:48
